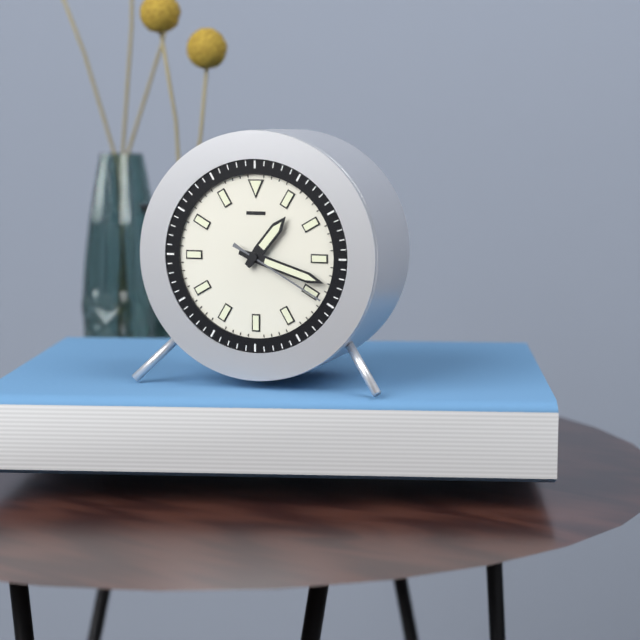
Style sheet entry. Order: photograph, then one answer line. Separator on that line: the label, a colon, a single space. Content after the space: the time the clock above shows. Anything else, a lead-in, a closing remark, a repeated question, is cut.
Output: 1:18:20
